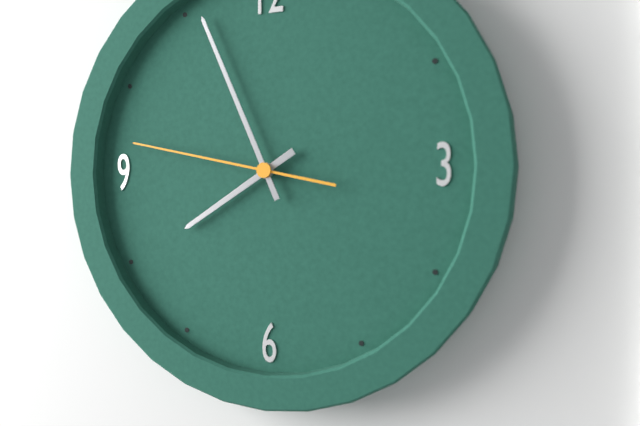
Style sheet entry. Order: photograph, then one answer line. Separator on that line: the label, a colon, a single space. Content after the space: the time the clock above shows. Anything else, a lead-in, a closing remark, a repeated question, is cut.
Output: 7:56:47
